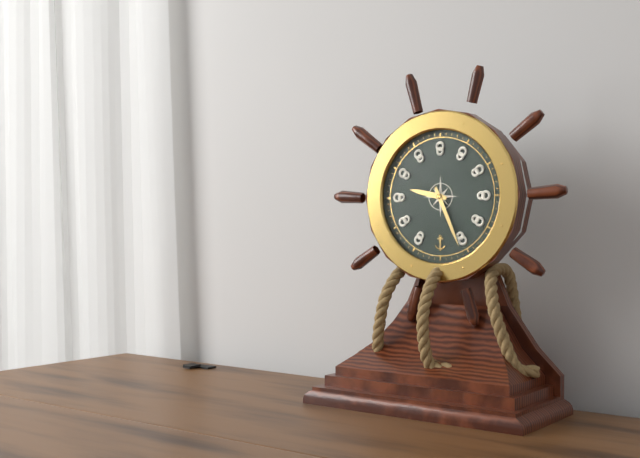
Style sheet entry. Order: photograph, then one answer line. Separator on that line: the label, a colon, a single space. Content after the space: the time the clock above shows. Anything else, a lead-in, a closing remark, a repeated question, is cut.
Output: 9:26
